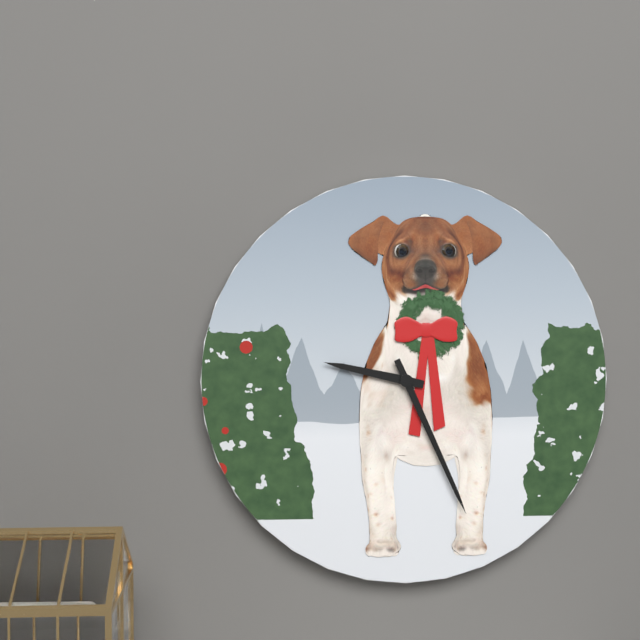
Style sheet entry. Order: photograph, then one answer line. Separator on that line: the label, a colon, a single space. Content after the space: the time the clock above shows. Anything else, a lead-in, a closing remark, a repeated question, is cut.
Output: 9:26
